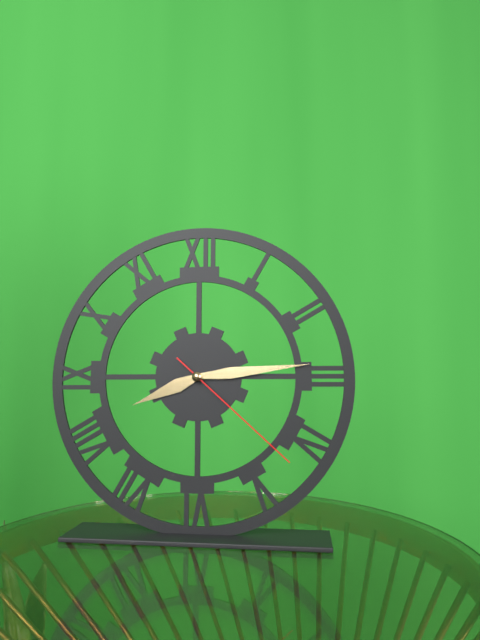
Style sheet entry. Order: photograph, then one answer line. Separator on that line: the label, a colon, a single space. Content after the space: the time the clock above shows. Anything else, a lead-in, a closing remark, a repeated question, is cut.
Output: 8:14:22
